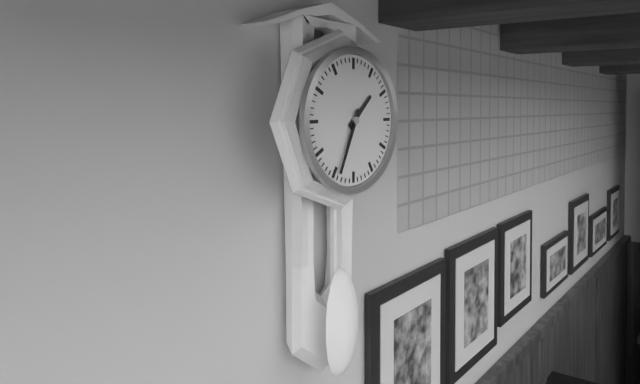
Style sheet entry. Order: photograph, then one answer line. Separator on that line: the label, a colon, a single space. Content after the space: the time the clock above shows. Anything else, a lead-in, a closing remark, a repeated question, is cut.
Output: 1:34
